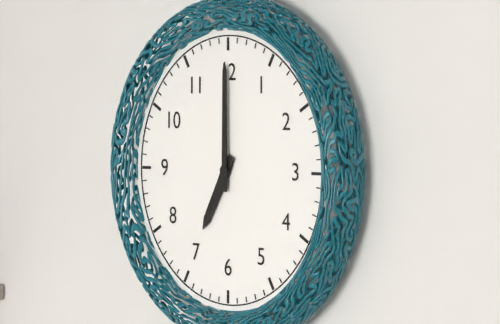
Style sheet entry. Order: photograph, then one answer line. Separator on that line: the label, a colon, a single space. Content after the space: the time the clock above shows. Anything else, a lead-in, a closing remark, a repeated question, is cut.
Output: 7:00
